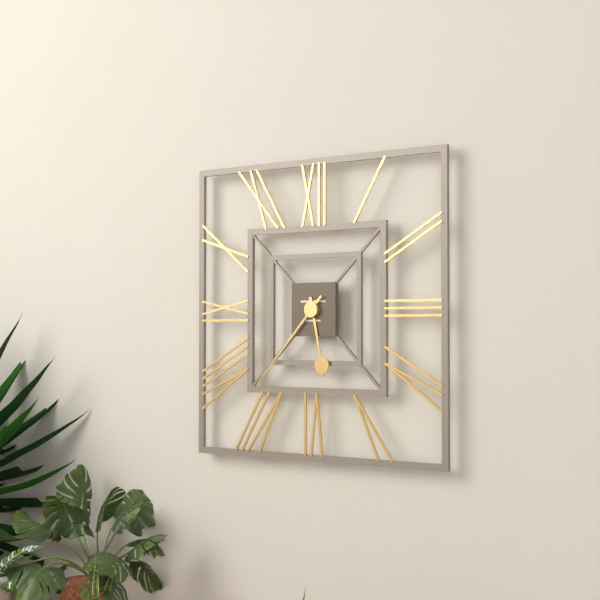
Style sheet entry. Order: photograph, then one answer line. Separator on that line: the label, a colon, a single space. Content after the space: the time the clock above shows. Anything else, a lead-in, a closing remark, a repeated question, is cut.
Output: 5:37
